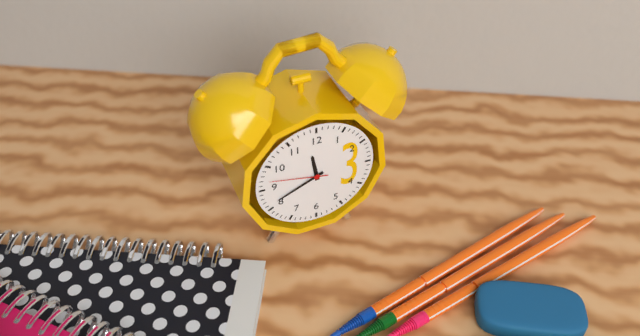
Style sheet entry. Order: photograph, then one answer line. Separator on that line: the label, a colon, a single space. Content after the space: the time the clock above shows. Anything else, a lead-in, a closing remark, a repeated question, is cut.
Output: 11:41:47
